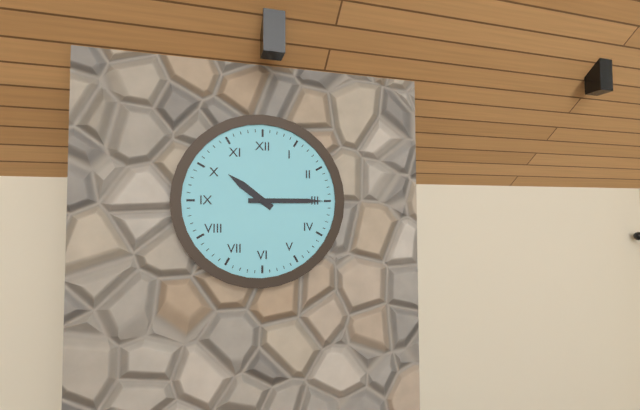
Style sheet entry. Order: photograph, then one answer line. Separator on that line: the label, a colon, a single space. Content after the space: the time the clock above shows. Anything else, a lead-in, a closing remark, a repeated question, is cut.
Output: 10:15
